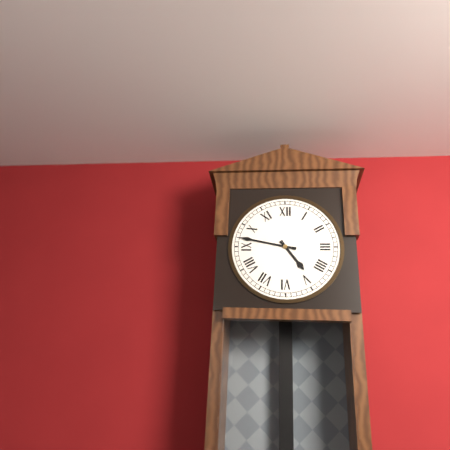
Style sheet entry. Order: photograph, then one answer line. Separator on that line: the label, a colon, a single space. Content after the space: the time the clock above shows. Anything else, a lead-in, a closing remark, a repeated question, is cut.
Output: 4:47
